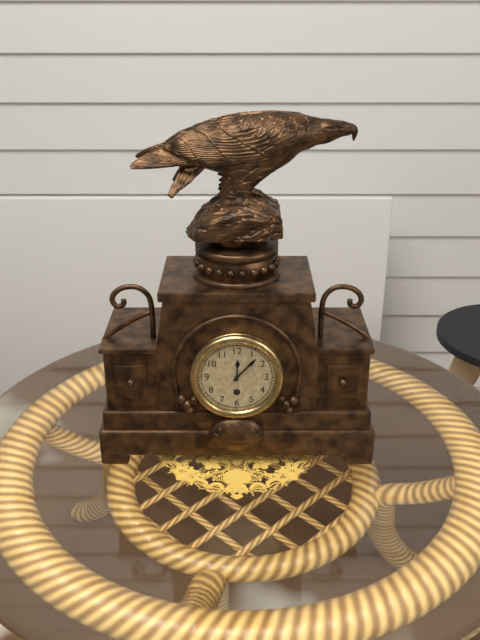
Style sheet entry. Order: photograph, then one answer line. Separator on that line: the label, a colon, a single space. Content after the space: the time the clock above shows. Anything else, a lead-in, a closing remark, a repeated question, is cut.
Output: 12:07
